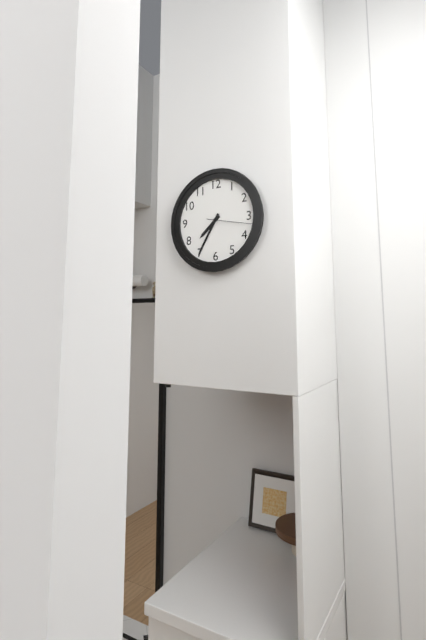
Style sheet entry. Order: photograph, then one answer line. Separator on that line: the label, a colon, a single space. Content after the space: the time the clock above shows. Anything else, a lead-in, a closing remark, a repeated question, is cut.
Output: 7:35
